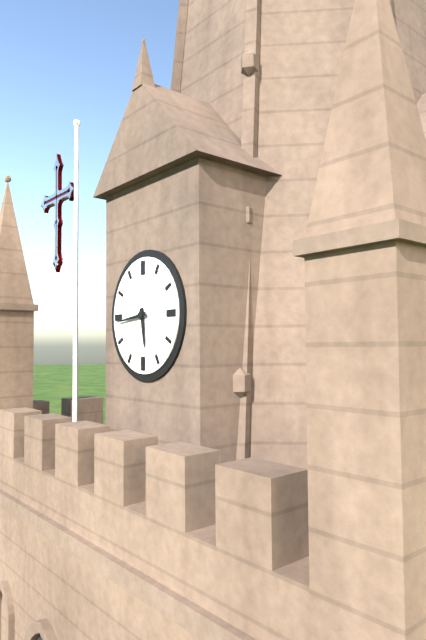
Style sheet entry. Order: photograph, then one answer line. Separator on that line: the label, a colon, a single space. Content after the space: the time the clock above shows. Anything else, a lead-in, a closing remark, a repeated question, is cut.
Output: 5:44
